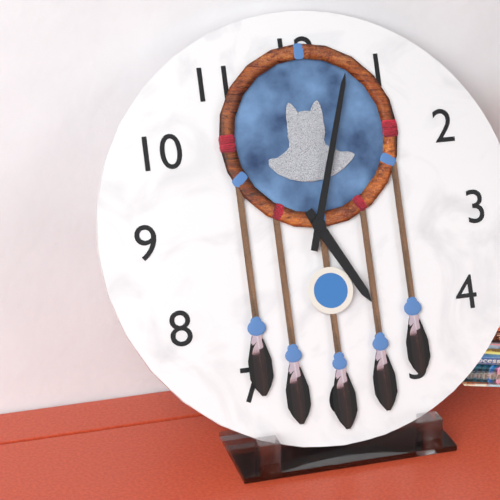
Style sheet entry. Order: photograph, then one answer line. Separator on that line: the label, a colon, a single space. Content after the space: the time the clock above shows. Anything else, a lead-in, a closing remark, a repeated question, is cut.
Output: 5:03
